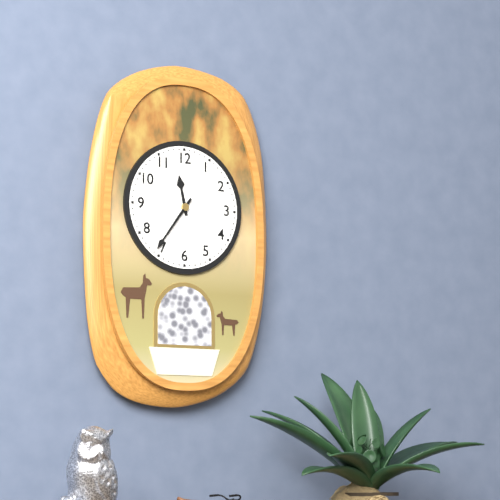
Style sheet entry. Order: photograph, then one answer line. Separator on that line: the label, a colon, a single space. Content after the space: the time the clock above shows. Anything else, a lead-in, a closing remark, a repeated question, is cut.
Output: 11:36
